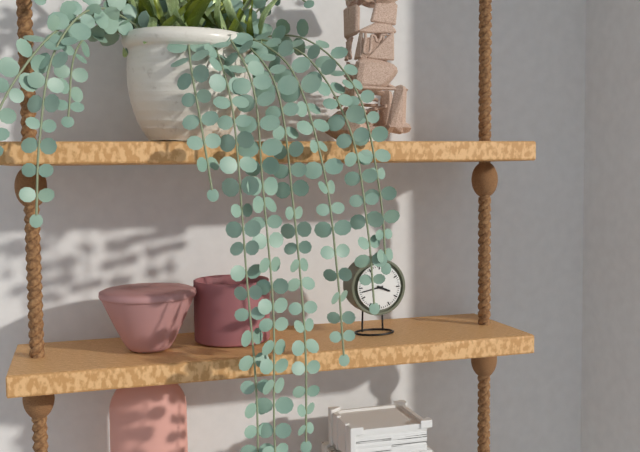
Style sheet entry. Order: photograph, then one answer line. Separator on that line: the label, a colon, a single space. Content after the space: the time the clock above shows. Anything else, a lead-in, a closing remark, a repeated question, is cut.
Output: 3:43
